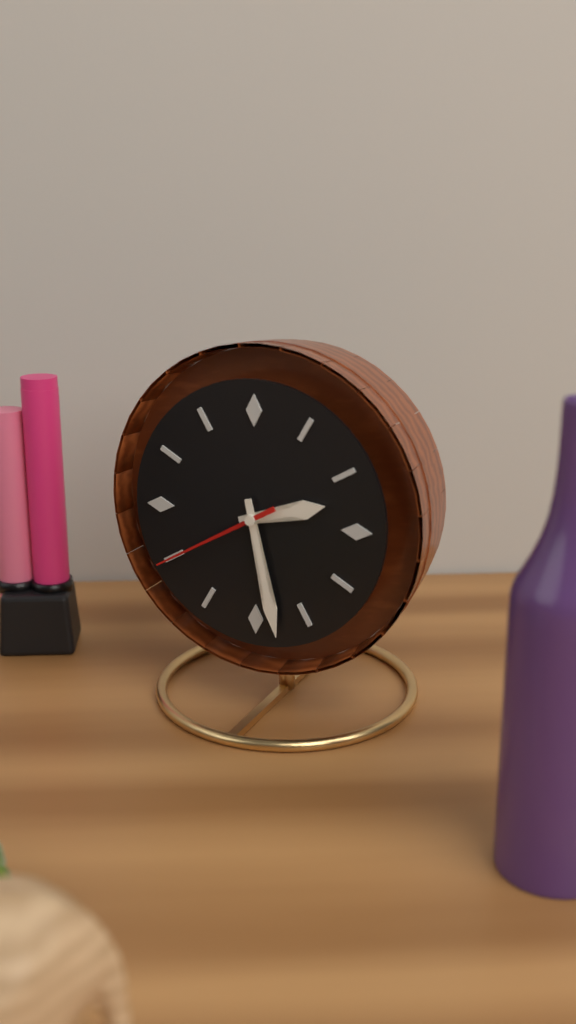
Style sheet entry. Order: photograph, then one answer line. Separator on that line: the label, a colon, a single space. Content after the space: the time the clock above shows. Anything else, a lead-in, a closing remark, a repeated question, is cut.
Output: 2:28:40
